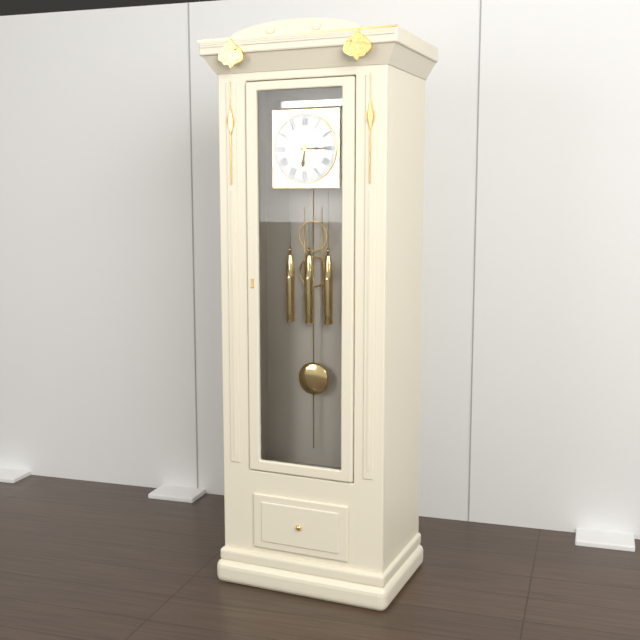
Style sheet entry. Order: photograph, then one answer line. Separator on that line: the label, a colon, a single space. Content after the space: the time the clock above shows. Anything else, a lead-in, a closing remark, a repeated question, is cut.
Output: 6:15
